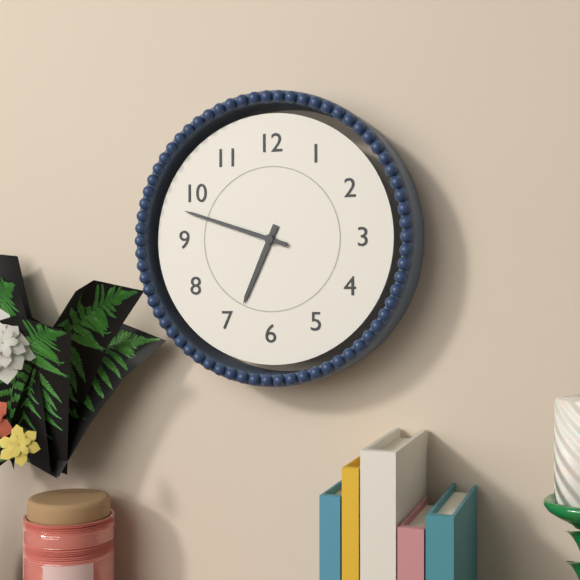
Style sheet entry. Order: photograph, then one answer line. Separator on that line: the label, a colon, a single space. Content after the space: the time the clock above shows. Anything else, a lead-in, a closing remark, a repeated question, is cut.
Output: 6:48
